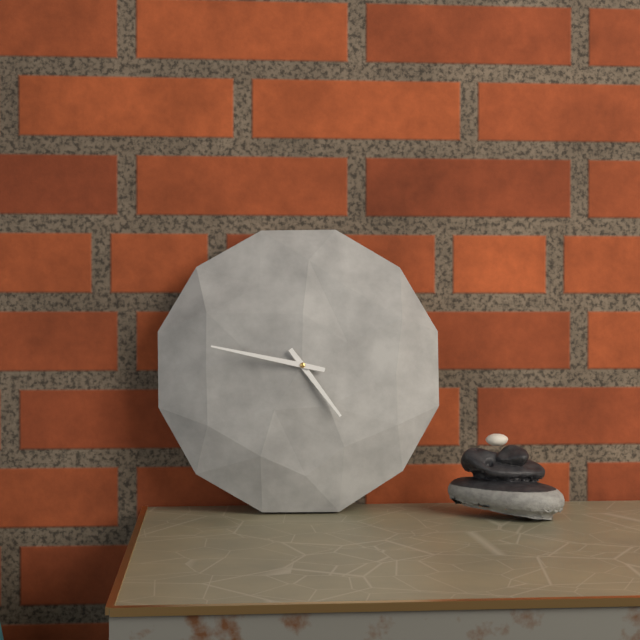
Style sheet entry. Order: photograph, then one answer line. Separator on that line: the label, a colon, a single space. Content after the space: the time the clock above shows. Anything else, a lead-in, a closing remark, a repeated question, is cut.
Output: 4:47
